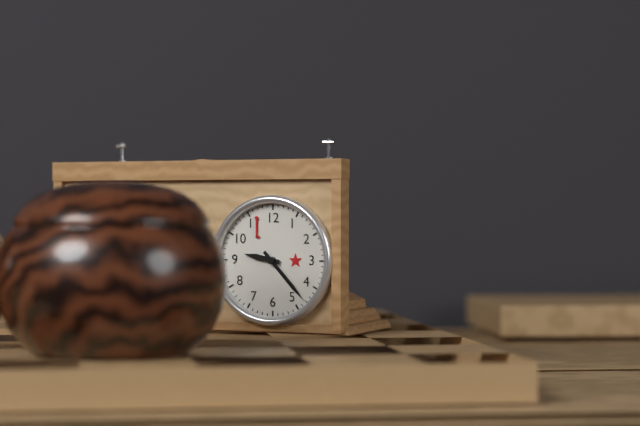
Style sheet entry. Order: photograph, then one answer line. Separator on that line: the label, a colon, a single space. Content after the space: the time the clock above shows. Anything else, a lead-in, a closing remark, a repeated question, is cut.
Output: 9:23
